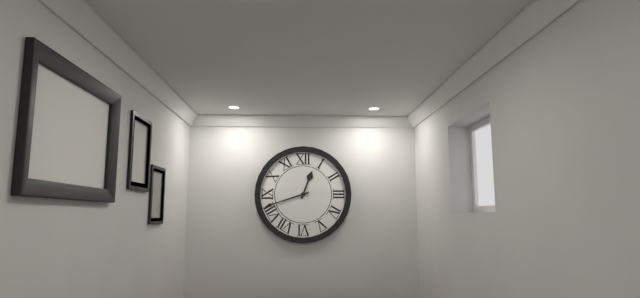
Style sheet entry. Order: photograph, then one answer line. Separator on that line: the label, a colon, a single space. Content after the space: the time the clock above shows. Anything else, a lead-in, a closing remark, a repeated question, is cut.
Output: 12:42
